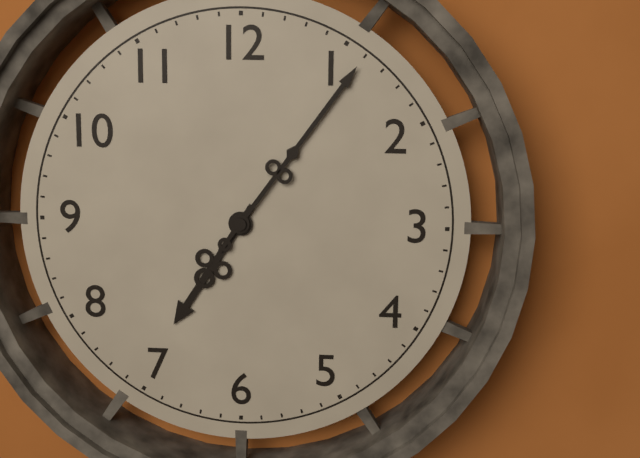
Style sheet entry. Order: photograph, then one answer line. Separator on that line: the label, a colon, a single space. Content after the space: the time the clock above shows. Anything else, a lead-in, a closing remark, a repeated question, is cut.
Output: 7:06
